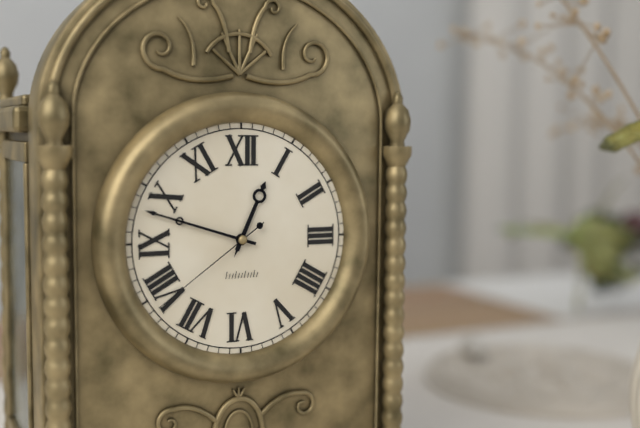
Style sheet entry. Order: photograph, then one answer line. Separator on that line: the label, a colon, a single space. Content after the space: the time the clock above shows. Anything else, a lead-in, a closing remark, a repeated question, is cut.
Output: 12:48:39
